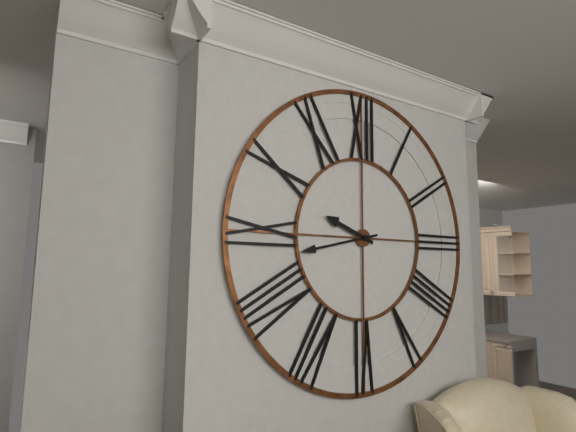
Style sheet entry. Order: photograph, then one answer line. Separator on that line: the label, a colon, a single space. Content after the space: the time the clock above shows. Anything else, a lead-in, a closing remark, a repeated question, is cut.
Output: 9:43
